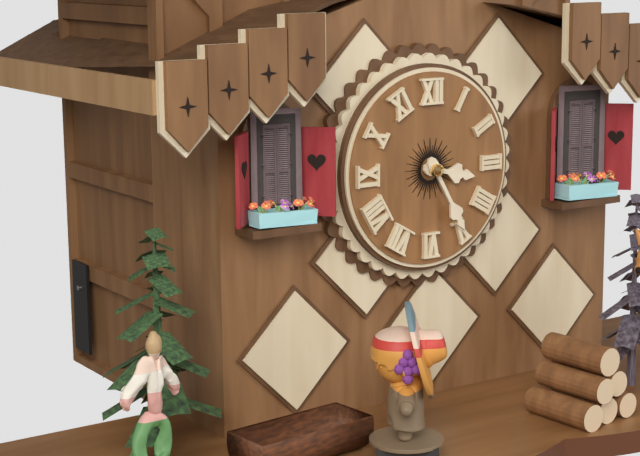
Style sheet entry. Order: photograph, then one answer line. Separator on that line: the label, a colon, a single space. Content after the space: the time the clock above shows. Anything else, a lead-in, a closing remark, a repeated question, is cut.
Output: 3:25
